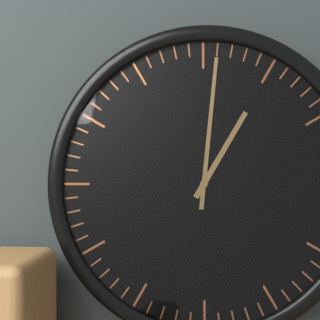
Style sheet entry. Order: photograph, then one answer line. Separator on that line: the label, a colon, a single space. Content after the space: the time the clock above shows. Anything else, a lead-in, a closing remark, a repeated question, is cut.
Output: 1:01
